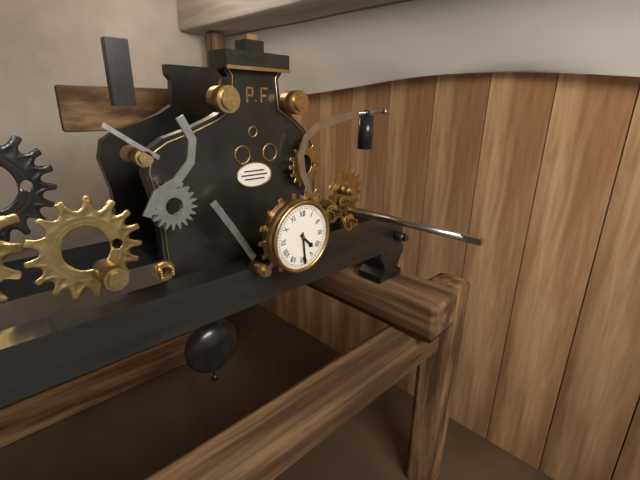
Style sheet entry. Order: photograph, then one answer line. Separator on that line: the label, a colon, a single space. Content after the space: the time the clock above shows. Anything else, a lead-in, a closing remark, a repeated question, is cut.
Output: 4:29
